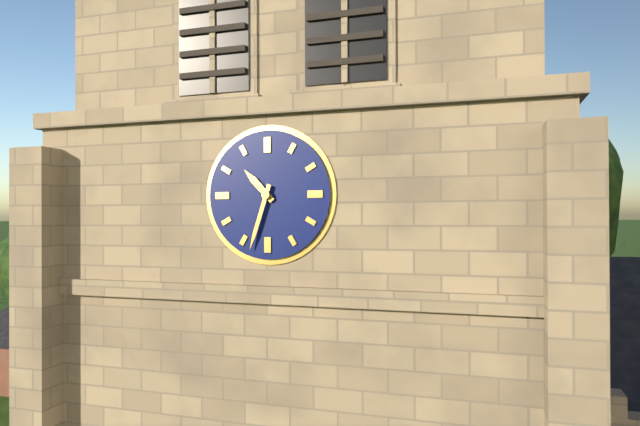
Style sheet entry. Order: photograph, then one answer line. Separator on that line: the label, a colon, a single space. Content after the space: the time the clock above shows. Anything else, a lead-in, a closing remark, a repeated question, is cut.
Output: 10:33
